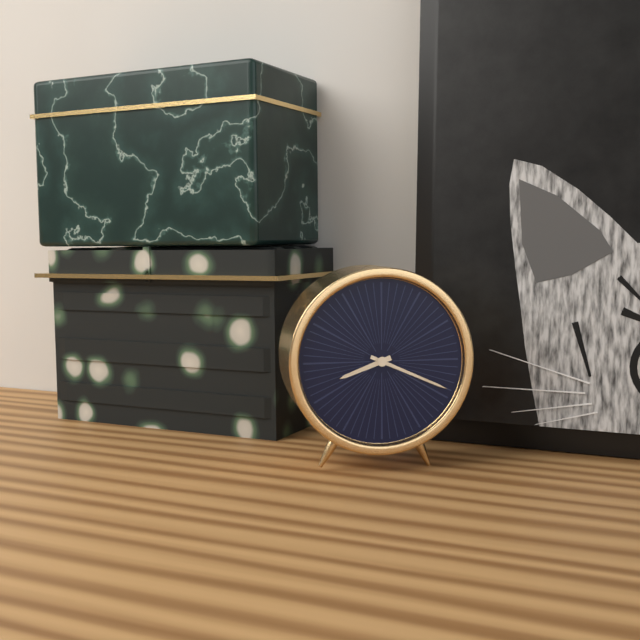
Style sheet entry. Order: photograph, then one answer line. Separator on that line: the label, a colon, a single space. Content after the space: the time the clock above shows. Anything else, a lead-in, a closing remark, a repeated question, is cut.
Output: 8:19
